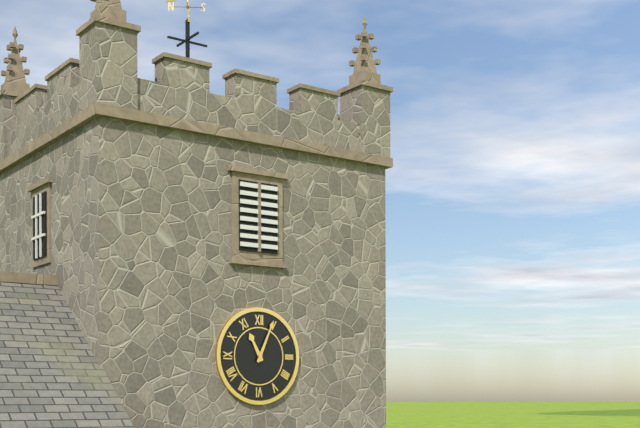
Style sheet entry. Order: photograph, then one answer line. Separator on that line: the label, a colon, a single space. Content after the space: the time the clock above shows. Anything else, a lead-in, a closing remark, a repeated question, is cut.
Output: 11:04
